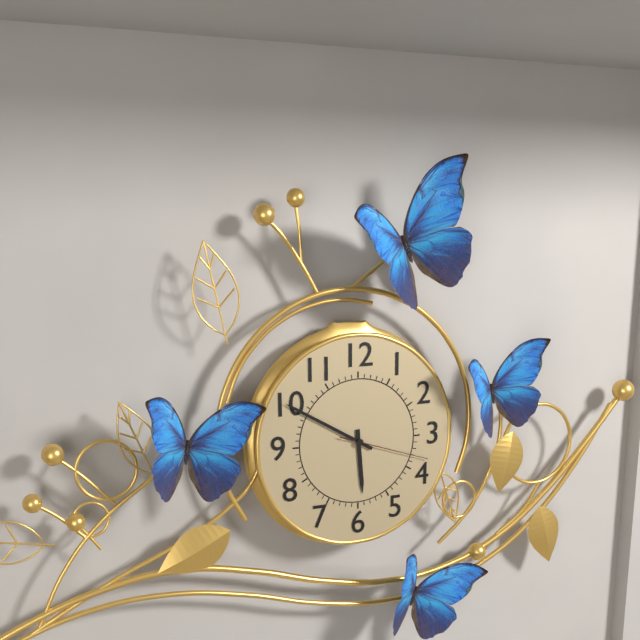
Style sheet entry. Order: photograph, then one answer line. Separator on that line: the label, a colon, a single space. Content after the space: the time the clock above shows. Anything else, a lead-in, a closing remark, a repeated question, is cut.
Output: 5:50:18
